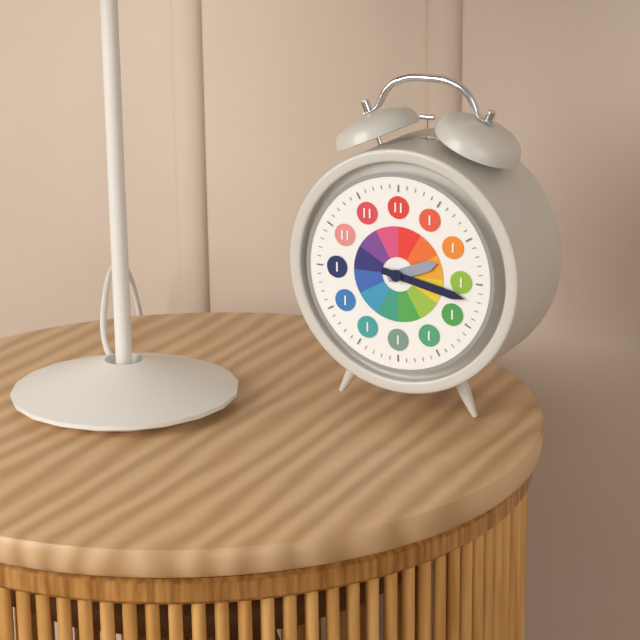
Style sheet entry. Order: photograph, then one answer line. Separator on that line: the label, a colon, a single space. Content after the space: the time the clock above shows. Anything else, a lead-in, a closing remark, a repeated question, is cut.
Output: 2:17
